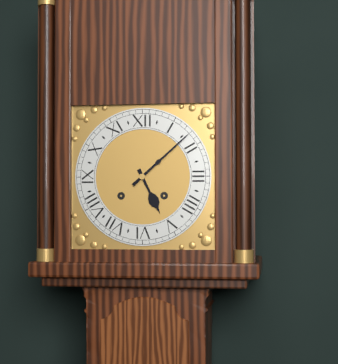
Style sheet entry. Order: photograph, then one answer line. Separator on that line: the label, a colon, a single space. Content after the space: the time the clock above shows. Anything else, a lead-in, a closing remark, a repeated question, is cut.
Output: 5:08
